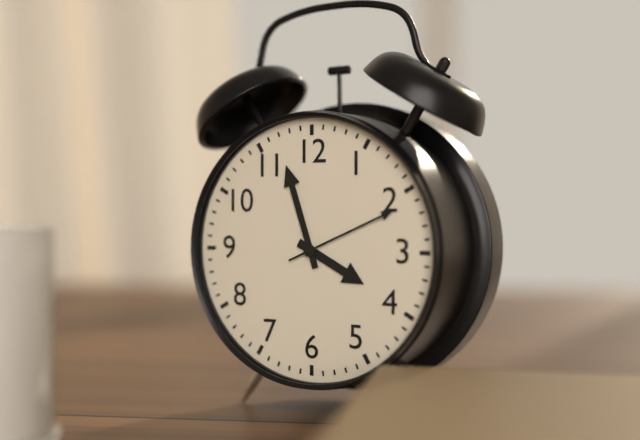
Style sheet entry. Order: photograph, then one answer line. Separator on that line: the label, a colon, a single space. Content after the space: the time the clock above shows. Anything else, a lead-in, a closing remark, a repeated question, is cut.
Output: 3:57:11
